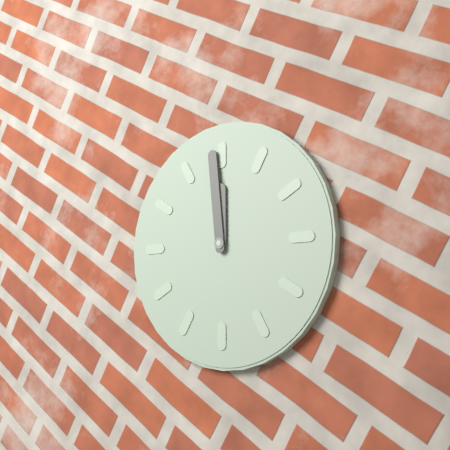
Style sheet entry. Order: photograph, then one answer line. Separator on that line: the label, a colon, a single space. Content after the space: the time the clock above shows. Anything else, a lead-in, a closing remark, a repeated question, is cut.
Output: 11:59
